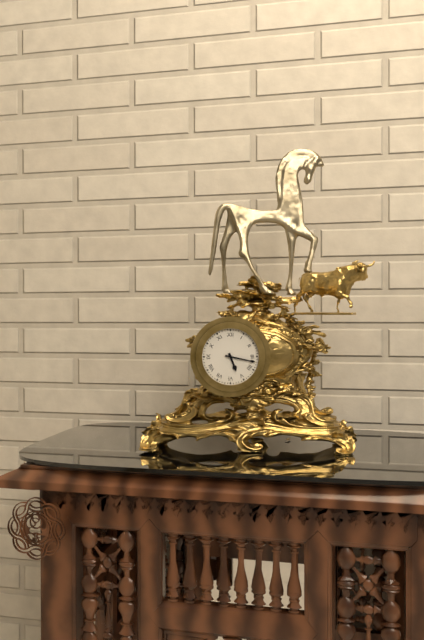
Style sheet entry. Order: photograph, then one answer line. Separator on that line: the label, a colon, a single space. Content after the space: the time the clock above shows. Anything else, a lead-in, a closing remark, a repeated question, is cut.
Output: 5:17
